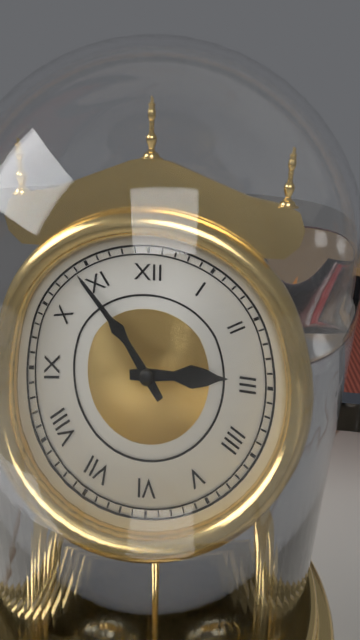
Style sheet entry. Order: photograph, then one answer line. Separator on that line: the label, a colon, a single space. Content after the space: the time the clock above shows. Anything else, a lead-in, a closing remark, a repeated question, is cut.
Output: 2:54
